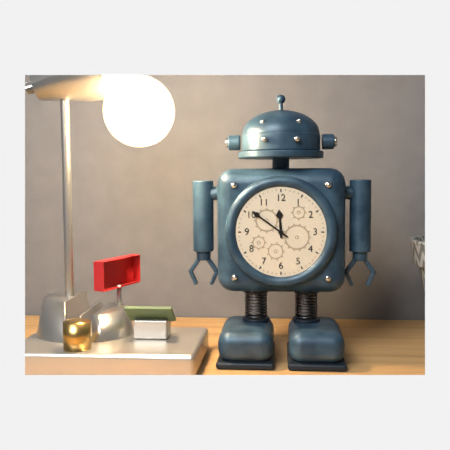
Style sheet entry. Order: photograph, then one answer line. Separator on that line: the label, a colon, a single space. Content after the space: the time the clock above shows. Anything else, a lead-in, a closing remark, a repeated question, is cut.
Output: 11:51
